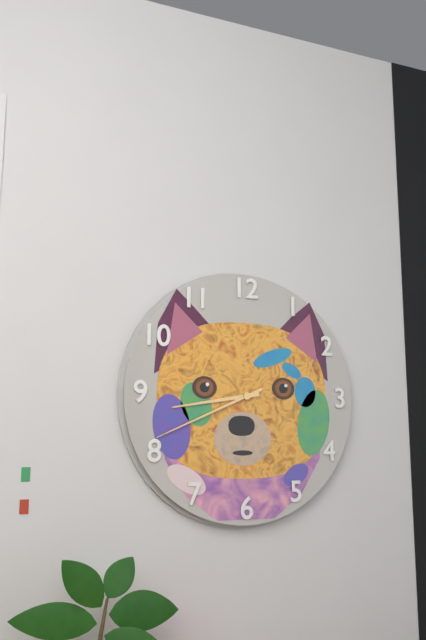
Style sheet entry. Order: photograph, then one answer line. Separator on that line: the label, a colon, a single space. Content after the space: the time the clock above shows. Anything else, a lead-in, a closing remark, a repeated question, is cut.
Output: 8:41
